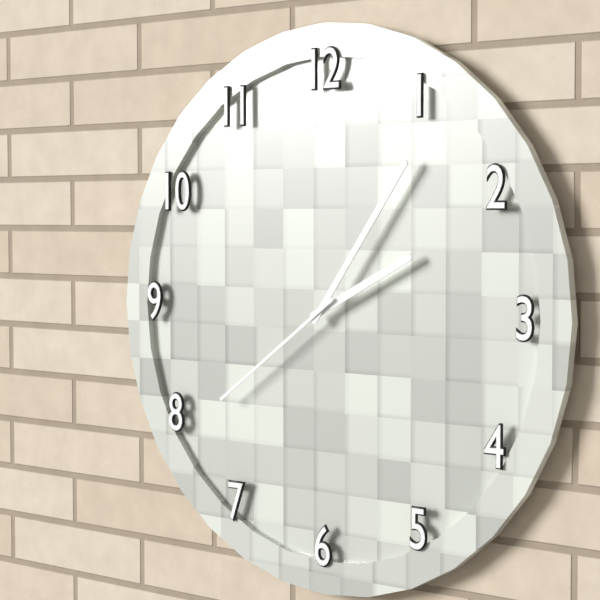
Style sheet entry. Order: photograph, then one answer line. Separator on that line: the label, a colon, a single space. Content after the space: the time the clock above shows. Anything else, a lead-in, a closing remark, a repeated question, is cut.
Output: 2:06:39
